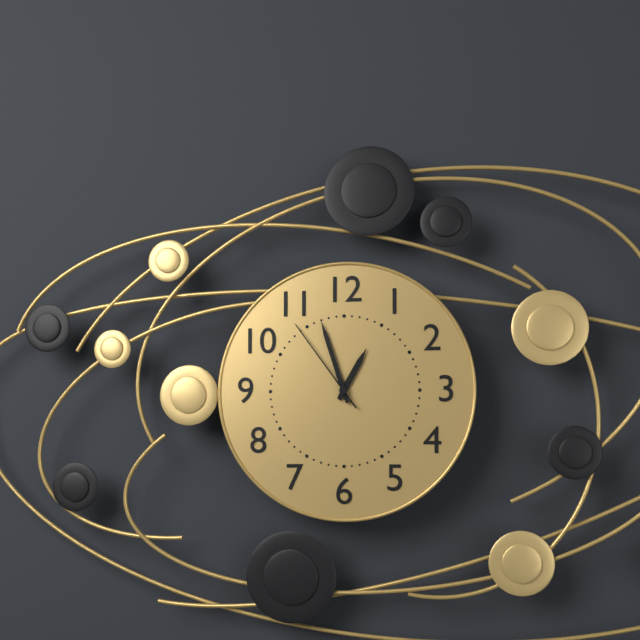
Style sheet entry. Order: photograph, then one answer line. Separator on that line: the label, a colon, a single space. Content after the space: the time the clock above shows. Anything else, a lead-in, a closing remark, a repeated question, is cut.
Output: 12:57:54
